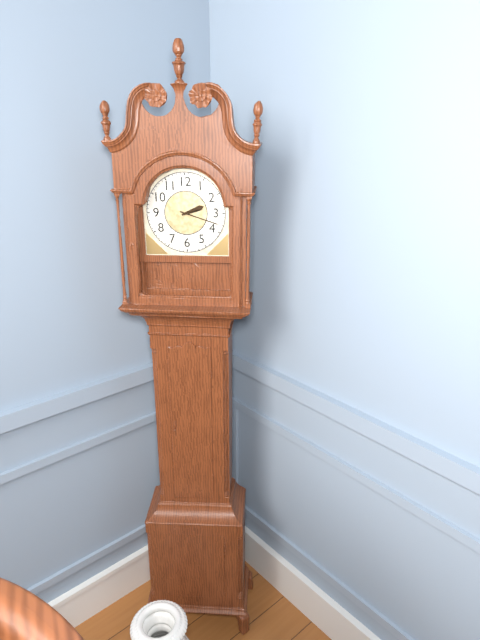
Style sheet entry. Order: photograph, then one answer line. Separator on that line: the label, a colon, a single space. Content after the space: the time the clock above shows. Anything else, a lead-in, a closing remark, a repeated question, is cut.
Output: 2:18
